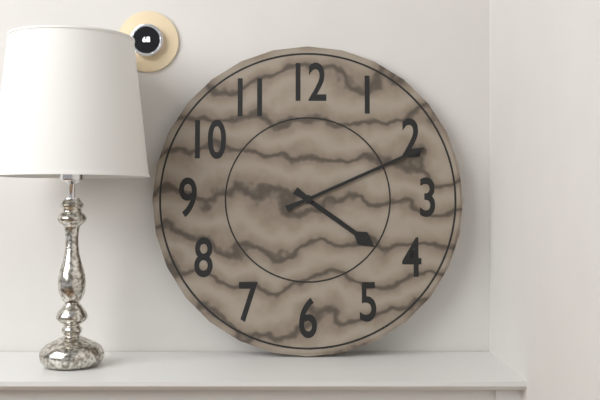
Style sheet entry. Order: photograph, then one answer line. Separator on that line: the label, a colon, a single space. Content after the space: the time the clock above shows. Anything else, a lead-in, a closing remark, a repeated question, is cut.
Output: 4:11
